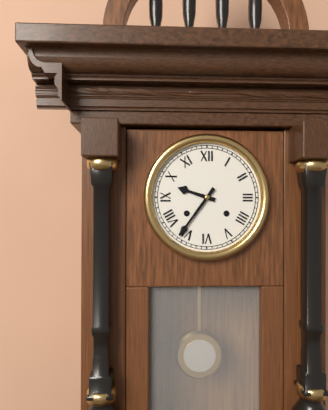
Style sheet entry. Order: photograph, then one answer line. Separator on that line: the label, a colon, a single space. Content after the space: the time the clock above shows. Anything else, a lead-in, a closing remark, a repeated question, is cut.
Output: 9:36
